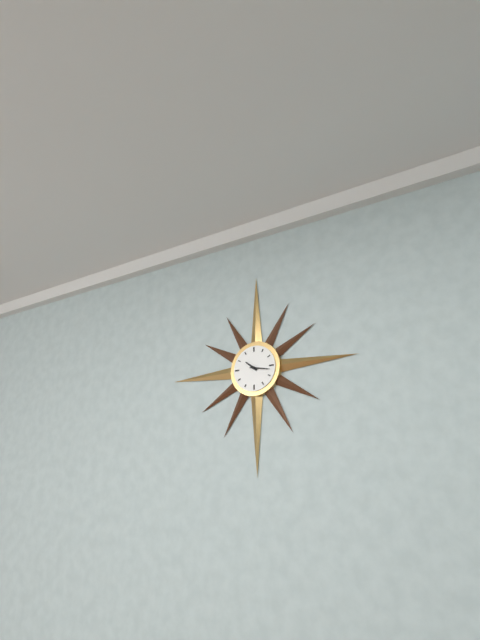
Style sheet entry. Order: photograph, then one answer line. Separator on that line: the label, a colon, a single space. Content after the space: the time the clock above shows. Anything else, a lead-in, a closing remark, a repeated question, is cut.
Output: 10:17
